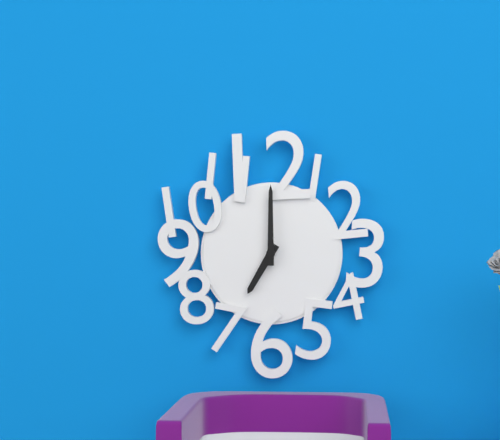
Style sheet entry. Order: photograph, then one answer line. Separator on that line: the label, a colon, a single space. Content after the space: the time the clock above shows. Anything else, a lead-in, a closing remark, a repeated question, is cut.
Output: 7:00
